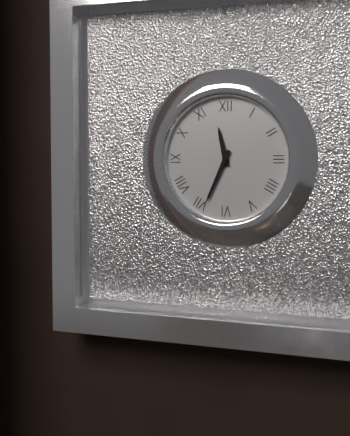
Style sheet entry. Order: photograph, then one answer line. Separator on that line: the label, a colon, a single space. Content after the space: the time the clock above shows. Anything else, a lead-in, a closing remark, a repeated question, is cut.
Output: 11:34
